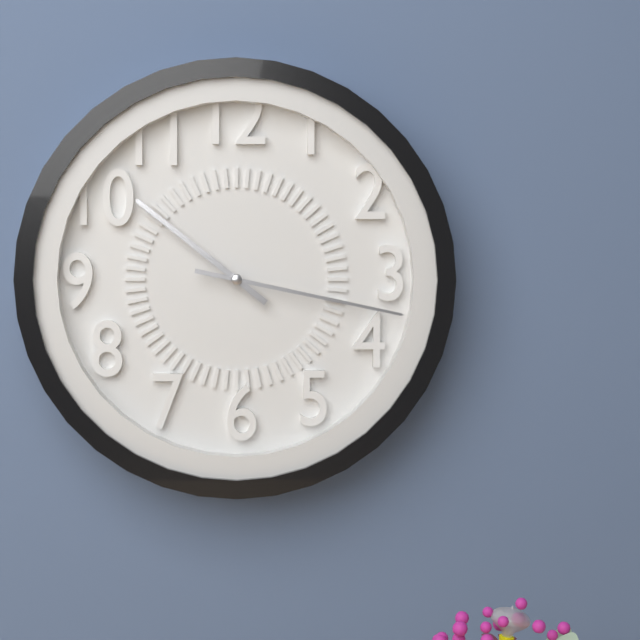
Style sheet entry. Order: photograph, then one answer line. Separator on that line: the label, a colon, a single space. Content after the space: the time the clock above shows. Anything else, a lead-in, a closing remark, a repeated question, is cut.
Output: 10:17
